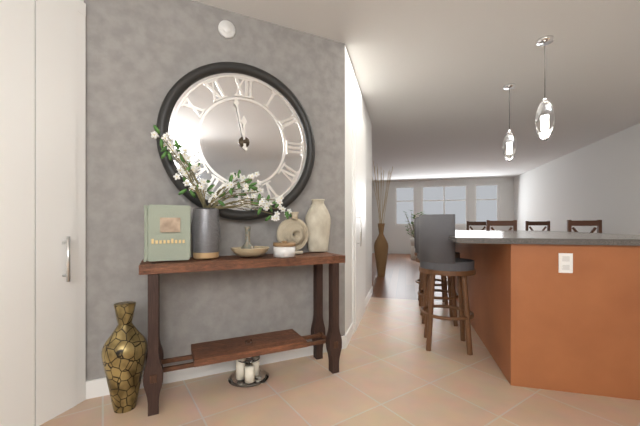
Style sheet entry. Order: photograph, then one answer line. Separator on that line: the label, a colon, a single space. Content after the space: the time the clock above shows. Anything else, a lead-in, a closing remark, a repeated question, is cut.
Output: 11:58
